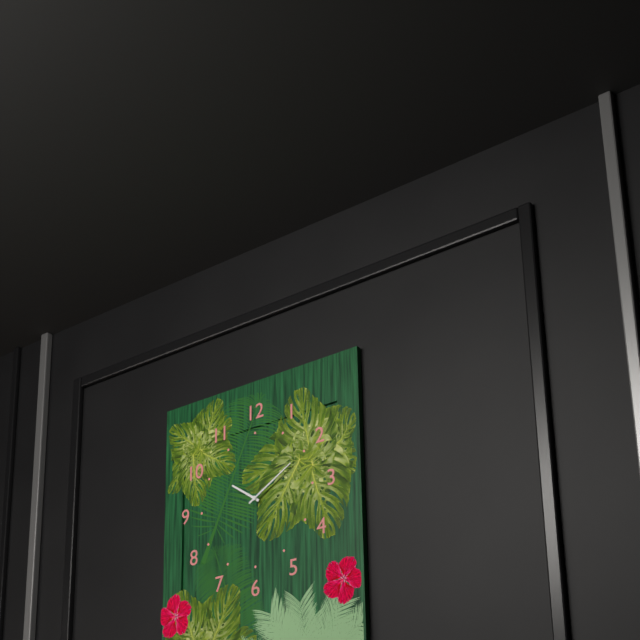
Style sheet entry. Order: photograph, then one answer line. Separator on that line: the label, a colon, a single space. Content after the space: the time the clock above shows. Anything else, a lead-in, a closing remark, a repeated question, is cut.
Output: 10:10
